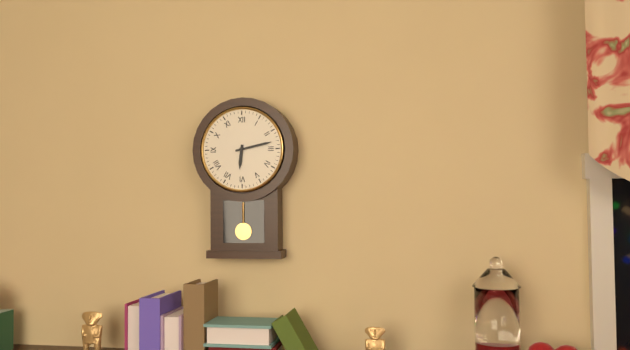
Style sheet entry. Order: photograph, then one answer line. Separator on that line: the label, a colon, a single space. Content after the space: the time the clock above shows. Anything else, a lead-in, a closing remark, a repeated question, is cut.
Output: 6:13
